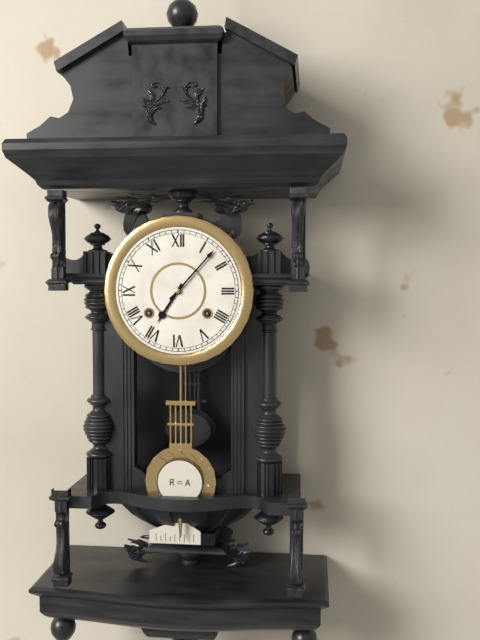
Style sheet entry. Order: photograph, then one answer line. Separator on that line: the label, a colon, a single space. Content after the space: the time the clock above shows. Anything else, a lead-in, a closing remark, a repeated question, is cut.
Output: 7:07
